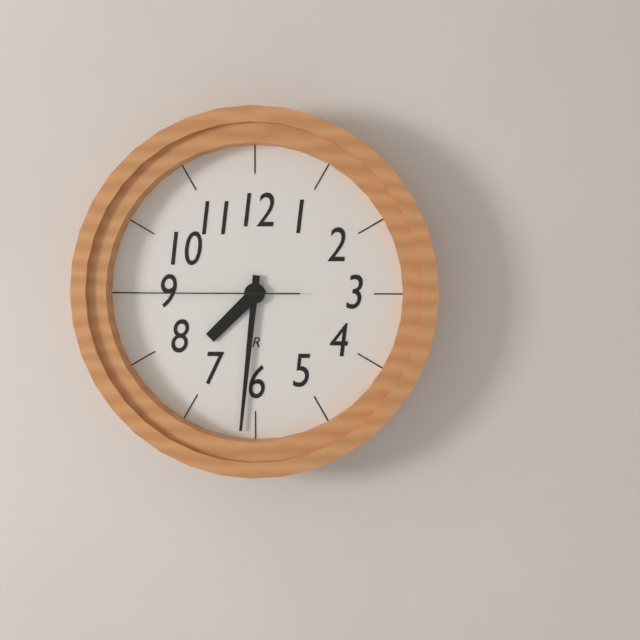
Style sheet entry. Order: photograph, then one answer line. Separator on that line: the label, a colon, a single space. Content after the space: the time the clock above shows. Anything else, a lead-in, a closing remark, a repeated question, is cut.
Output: 7:31:45
